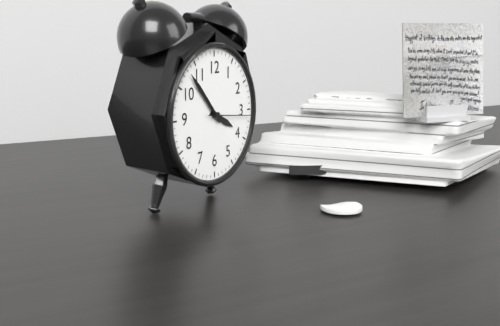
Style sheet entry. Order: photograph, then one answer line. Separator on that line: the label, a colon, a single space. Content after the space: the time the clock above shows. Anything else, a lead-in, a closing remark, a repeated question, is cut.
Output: 3:53
